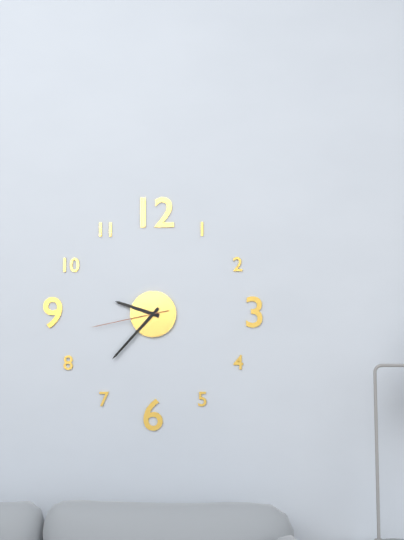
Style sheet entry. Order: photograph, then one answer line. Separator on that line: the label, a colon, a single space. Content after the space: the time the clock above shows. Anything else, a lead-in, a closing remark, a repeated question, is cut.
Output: 9:37:43
